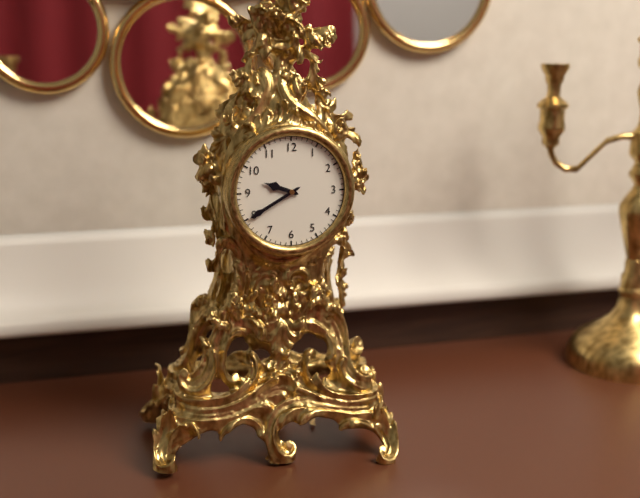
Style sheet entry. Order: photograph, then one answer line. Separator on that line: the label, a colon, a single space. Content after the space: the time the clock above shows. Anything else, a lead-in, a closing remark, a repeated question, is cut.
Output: 9:40
